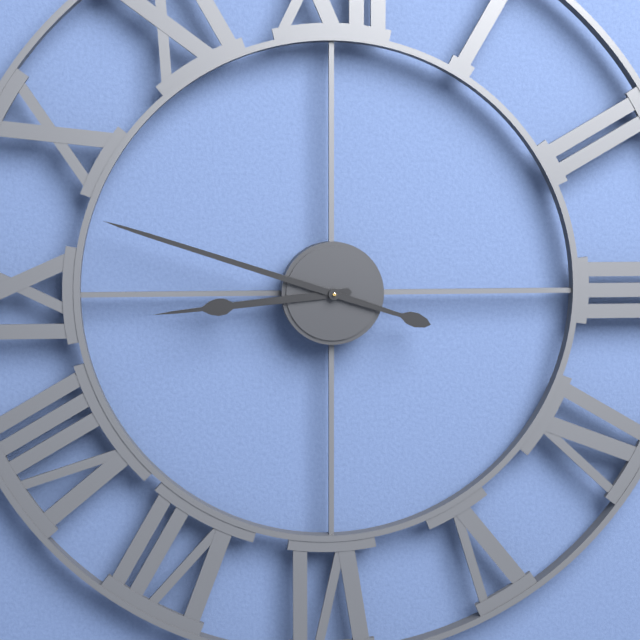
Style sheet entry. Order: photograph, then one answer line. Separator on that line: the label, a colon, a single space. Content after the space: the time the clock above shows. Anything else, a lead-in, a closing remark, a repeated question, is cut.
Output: 8:48
